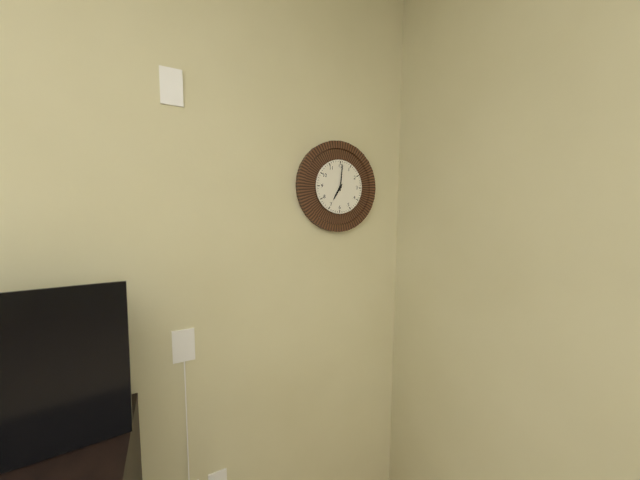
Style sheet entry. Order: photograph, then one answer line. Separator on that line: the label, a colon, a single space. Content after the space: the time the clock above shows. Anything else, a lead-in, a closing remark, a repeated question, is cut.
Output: 7:01
